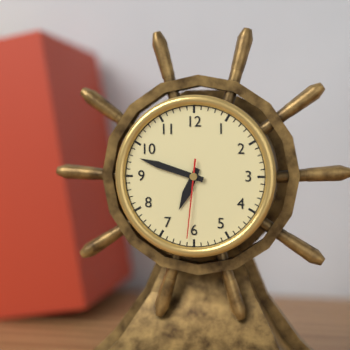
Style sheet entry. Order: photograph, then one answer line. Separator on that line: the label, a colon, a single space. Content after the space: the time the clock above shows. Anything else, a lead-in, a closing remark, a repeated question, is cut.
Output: 6:48:31
